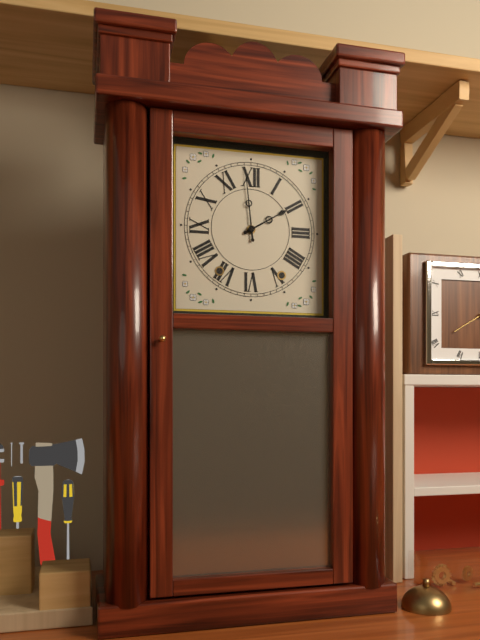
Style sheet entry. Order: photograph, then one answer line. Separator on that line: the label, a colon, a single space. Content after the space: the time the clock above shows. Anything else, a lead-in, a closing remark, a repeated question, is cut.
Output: 1:59
